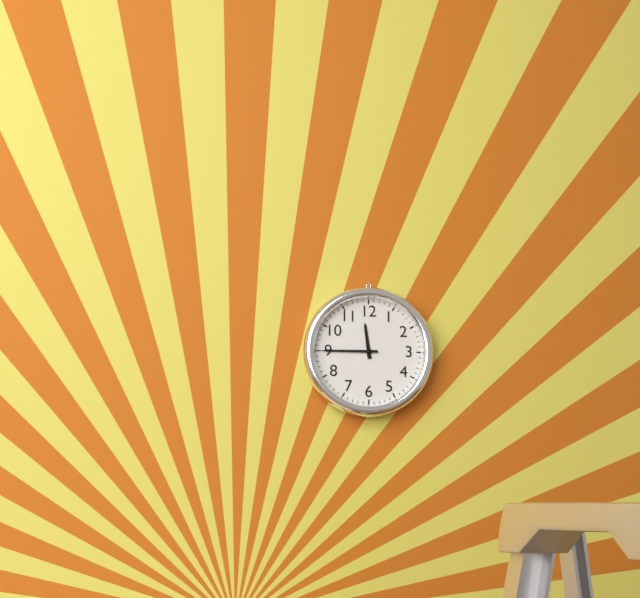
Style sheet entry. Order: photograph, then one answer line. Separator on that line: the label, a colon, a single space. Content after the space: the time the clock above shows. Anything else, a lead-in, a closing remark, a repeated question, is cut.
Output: 11:45
